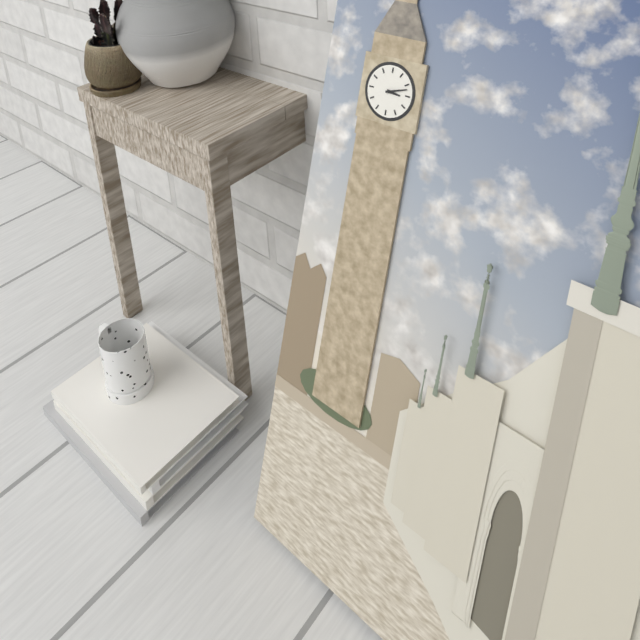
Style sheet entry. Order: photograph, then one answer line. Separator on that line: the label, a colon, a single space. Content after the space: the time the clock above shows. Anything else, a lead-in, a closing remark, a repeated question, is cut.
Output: 3:12
